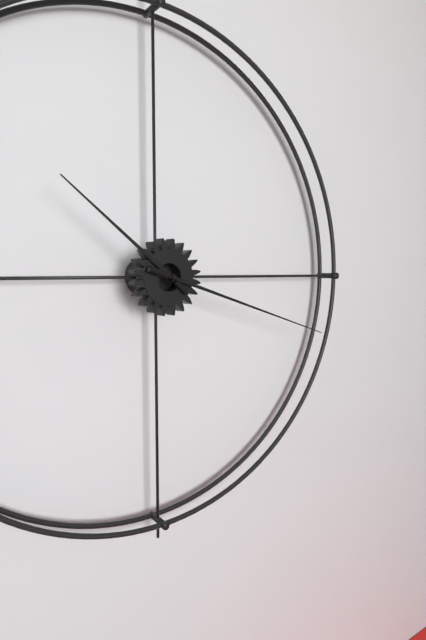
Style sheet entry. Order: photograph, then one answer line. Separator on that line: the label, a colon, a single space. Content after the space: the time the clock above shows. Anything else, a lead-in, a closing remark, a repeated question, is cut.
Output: 10:18
